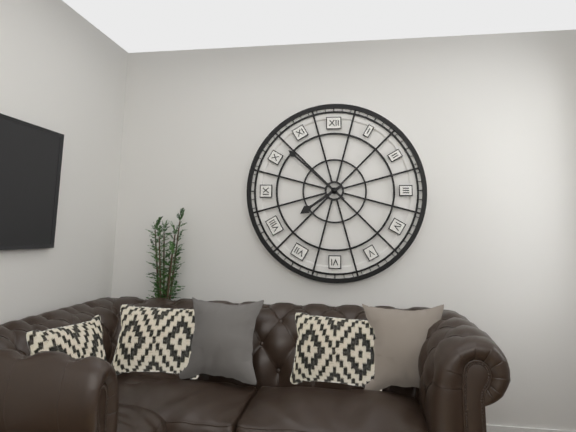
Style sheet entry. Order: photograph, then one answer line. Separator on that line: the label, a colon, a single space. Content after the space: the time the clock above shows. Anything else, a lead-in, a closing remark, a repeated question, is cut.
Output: 7:52
